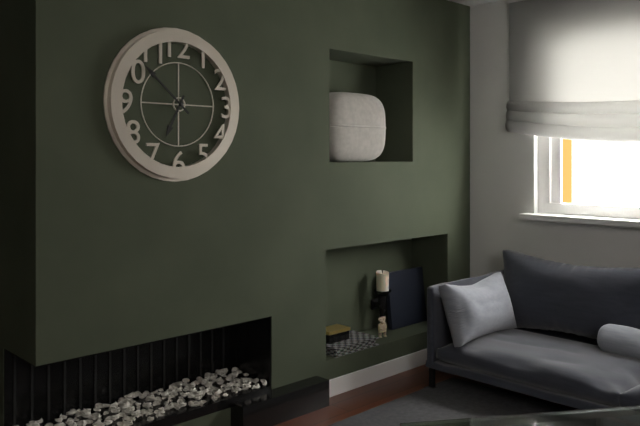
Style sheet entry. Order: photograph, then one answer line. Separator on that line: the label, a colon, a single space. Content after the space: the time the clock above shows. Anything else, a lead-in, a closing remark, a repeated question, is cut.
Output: 6:52
